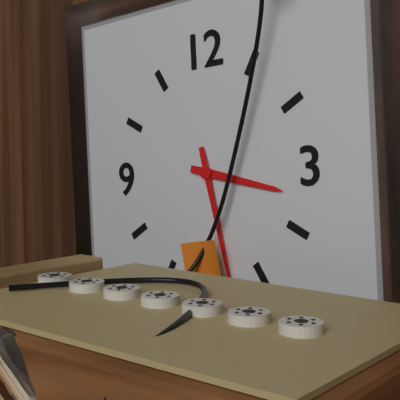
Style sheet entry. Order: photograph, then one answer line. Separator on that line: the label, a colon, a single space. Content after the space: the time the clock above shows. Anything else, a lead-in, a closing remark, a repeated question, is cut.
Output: 3:28
